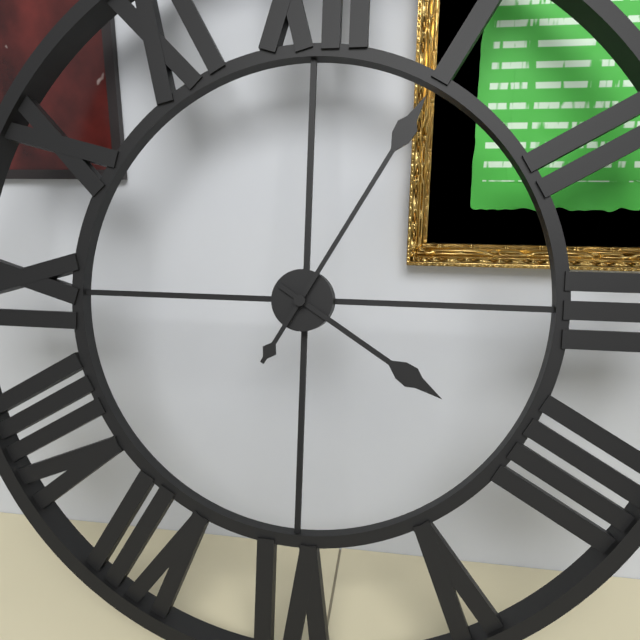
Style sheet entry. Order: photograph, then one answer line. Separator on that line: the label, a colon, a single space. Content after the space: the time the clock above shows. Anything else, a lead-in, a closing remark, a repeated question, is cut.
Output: 4:05
